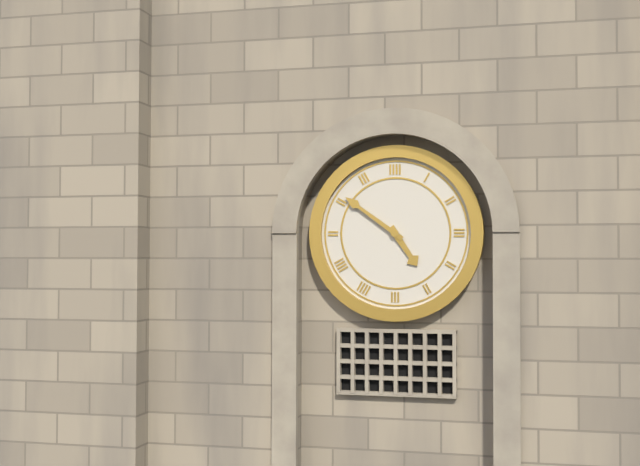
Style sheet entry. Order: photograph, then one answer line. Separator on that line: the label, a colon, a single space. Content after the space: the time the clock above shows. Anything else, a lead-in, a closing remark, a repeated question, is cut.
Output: 4:51
